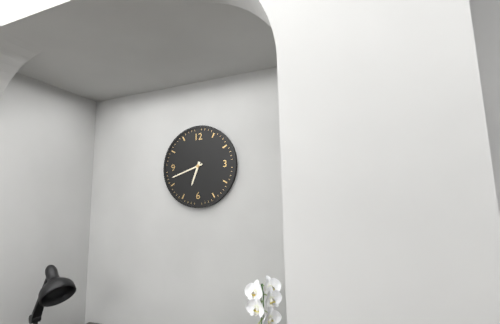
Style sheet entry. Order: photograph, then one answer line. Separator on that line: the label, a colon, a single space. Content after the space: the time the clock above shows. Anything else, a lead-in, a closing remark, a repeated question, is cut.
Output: 6:42
